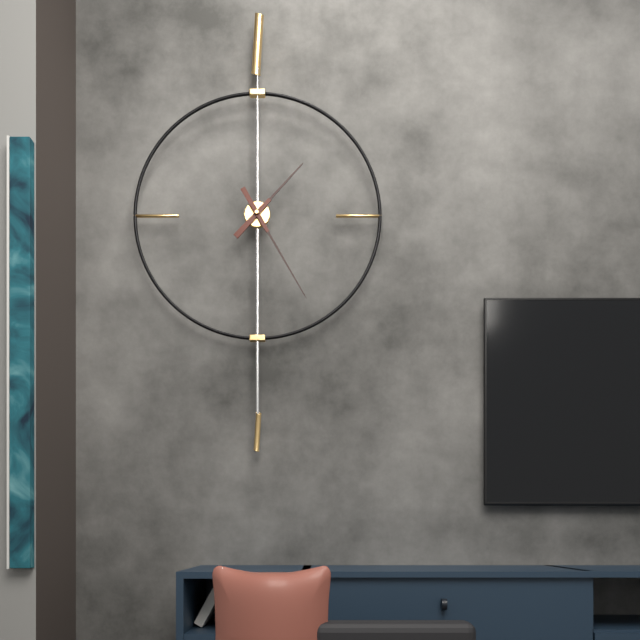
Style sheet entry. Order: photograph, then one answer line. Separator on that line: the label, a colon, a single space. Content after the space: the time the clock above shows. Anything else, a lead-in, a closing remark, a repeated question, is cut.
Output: 1:25
